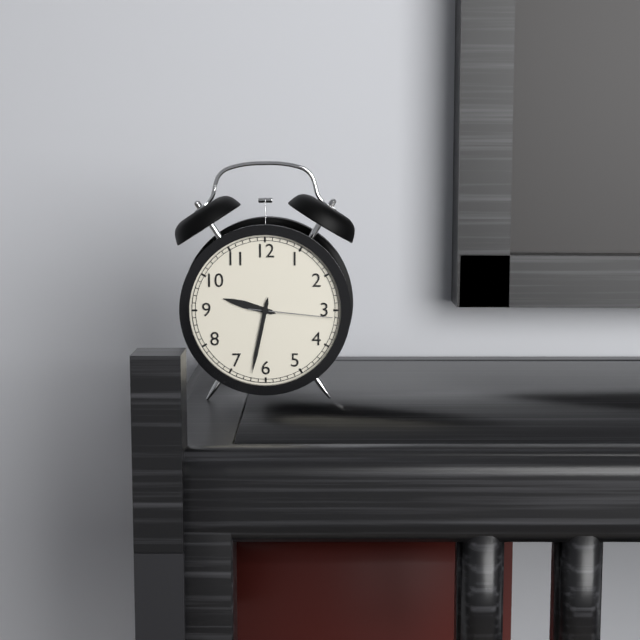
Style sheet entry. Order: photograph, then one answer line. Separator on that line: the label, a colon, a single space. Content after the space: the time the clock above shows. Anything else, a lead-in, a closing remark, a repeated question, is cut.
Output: 9:32:16
